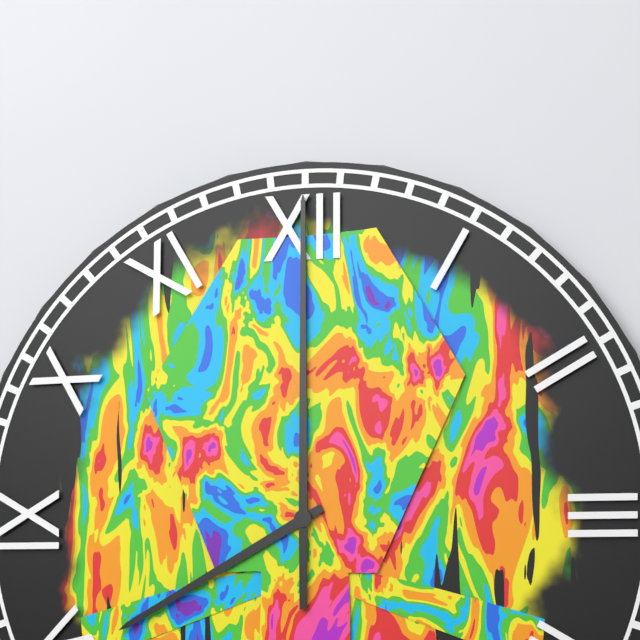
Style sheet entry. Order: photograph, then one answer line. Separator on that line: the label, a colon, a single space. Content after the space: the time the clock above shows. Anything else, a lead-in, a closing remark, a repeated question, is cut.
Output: 8:00
